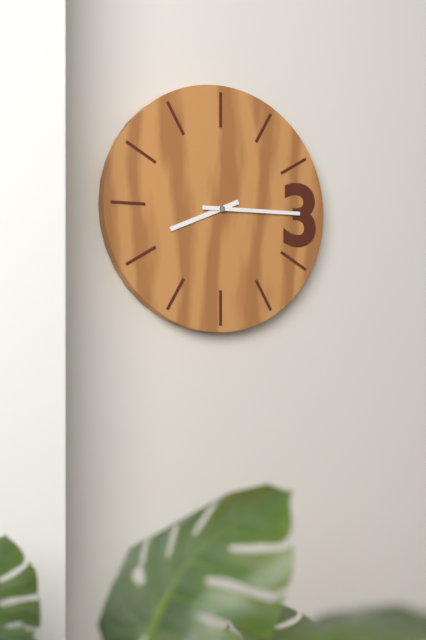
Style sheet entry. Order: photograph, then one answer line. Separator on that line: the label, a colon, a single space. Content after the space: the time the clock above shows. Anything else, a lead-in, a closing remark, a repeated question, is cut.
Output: 8:15
